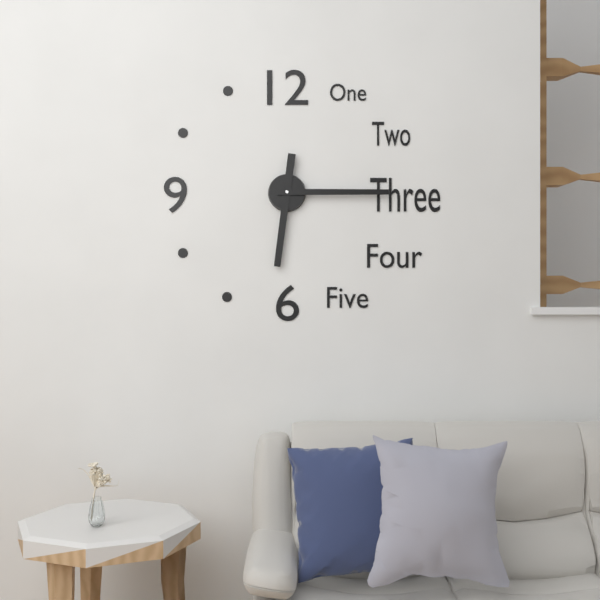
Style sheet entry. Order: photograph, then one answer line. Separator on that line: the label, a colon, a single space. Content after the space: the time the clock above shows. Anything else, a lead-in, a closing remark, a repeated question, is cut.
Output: 6:15
